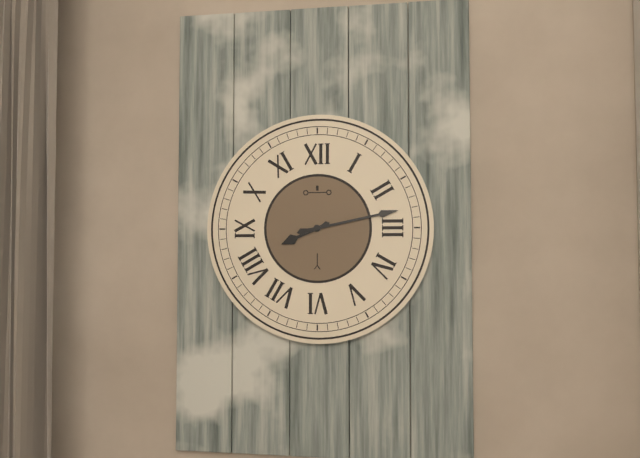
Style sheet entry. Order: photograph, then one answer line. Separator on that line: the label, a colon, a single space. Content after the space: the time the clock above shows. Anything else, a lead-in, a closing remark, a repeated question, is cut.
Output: 8:13
